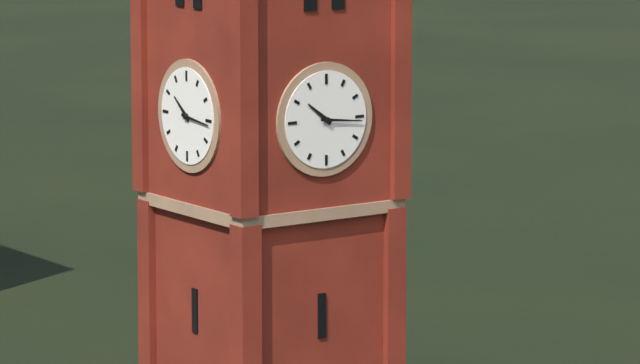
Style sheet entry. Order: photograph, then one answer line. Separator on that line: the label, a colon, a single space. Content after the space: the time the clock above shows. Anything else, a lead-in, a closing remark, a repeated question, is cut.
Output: 10:16
